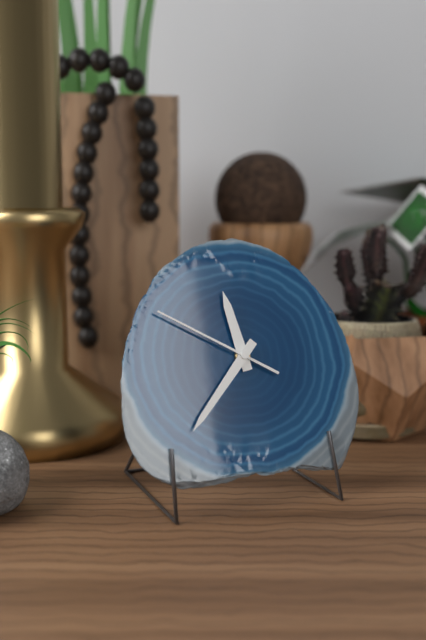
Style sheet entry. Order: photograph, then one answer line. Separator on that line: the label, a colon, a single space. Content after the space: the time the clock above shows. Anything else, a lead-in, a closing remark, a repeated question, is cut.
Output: 11:37:50
